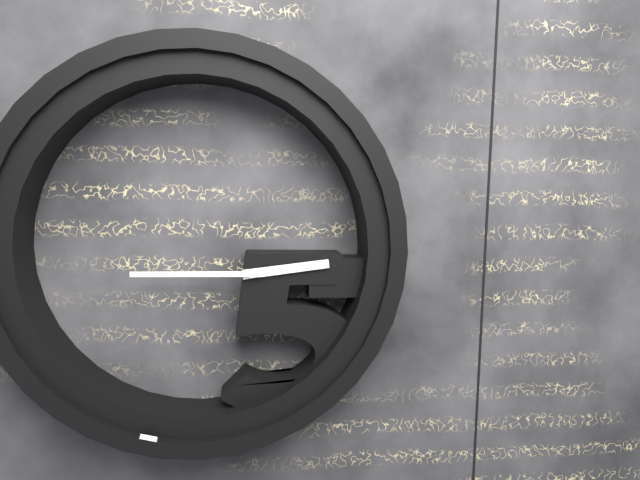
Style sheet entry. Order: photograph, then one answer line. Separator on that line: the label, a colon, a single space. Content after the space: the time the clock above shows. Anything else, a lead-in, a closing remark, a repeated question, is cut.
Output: 2:45
